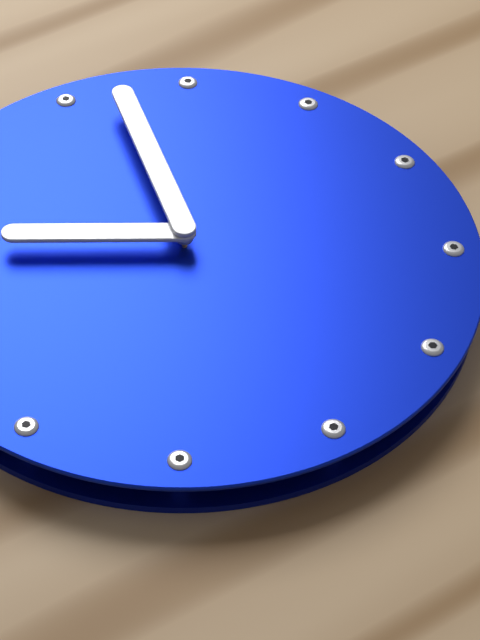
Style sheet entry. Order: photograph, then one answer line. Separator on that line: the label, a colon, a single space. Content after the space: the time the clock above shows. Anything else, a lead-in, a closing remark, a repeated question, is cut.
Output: 8:57
